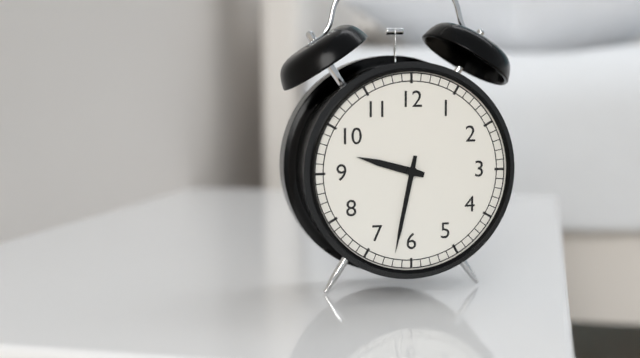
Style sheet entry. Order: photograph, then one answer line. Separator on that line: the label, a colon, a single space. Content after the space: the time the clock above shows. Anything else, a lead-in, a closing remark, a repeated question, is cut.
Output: 9:32
